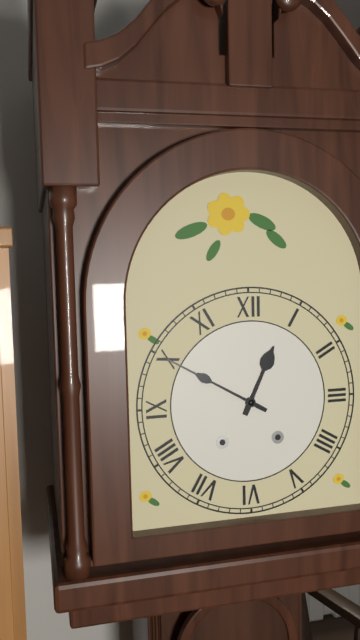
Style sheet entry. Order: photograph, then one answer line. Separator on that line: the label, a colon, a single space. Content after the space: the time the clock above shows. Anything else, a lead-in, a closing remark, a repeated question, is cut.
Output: 12:50
